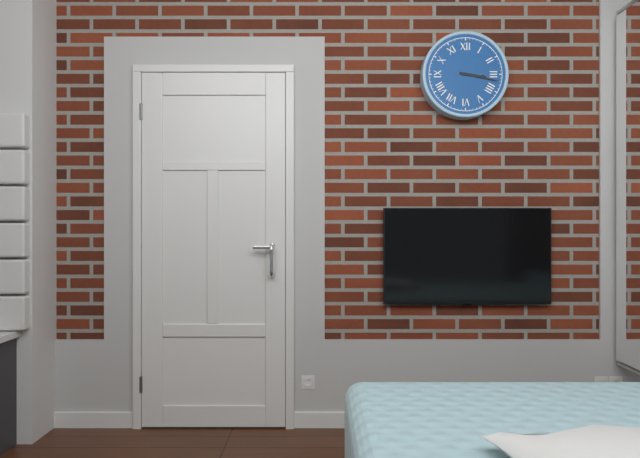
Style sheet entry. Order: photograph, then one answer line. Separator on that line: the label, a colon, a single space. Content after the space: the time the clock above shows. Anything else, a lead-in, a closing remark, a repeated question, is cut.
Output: 3:17
